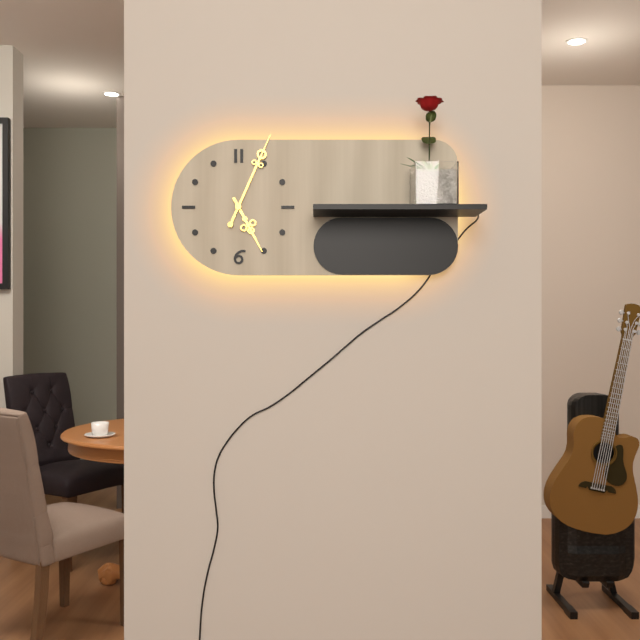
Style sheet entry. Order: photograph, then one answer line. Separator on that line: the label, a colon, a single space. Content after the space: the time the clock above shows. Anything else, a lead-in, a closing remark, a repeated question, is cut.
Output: 5:04
